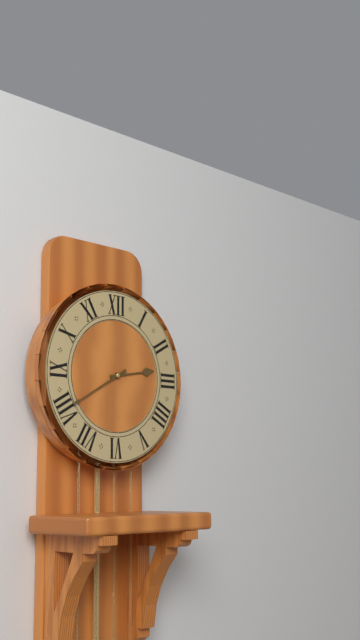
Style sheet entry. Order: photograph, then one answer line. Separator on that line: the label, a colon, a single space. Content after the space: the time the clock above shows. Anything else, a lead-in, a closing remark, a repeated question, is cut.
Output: 2:40
